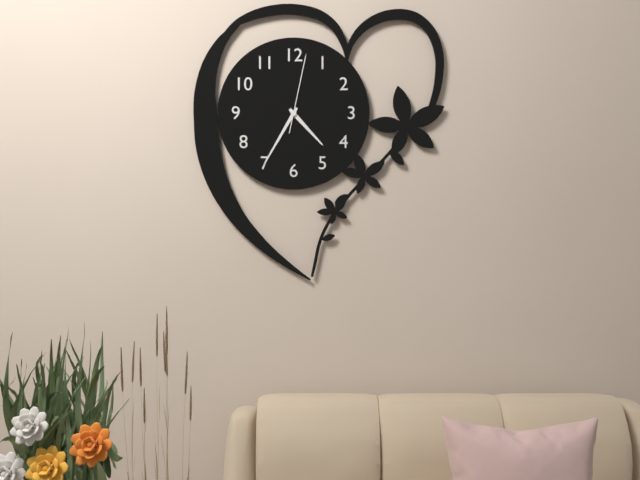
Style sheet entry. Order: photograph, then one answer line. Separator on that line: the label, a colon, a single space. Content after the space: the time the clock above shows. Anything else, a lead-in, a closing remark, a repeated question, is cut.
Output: 4:35:02
